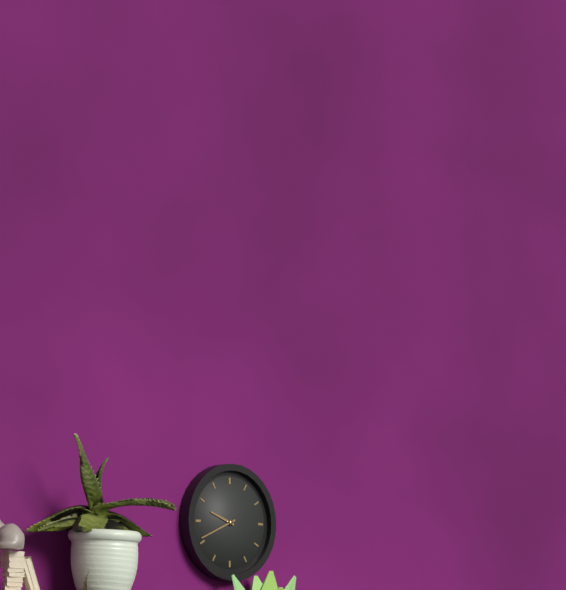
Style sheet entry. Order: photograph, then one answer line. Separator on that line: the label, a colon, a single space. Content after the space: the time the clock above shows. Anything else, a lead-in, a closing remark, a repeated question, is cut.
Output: 9:41
